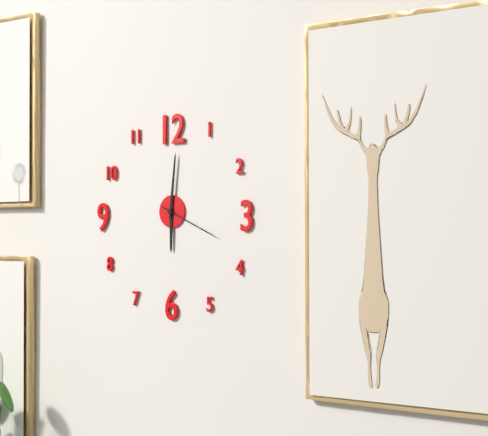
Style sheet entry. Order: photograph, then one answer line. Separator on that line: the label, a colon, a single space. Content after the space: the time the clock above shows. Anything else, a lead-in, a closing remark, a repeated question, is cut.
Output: 6:01:19
